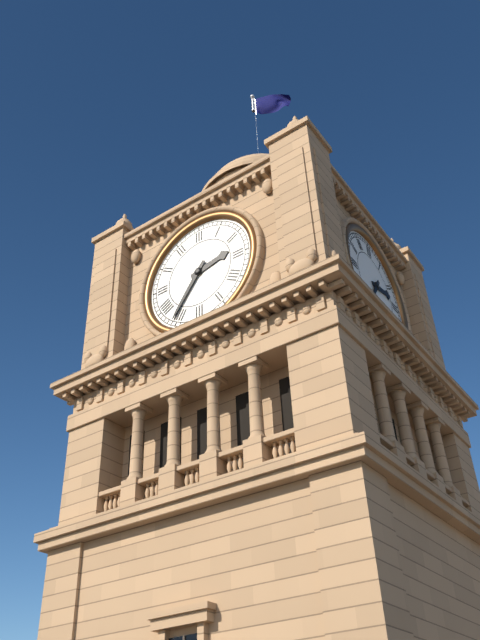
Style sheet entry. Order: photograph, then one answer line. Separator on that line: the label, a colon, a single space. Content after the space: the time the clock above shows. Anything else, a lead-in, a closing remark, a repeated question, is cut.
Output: 2:36
